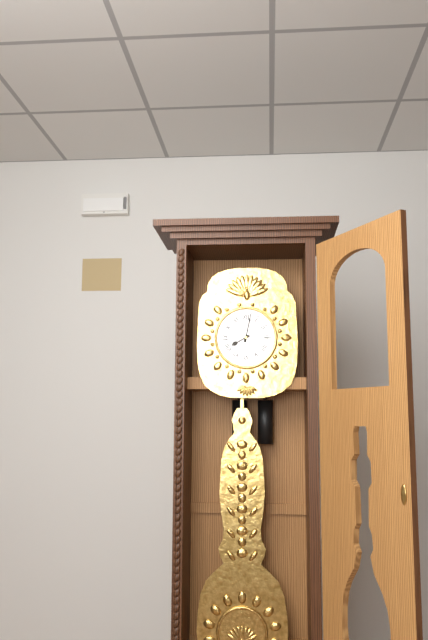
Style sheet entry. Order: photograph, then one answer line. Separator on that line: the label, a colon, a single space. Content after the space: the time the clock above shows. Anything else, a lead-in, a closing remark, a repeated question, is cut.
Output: 8:02
